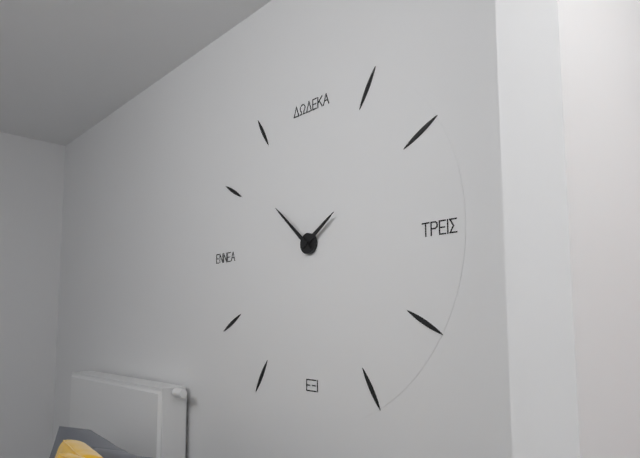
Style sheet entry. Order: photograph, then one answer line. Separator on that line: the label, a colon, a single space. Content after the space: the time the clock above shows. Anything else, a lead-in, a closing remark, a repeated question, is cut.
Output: 1:52
